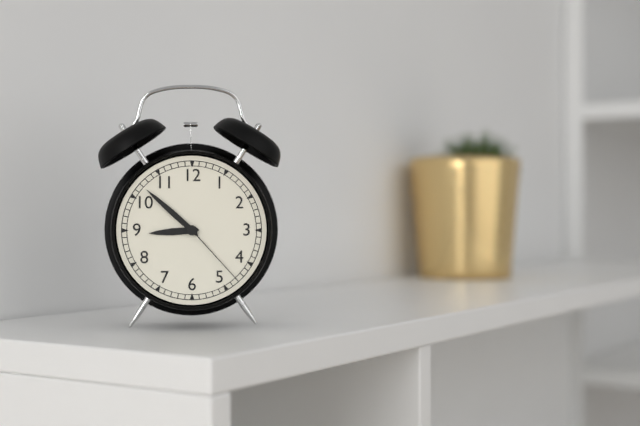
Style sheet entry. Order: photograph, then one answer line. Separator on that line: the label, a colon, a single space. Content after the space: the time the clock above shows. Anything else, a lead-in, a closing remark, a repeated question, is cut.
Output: 8:52:23
